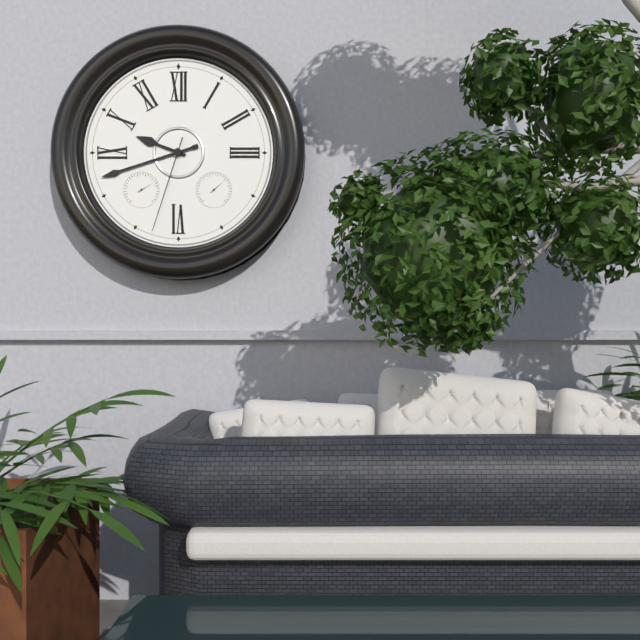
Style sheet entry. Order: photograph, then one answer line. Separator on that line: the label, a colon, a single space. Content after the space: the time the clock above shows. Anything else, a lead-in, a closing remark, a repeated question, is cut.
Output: 9:42:33
